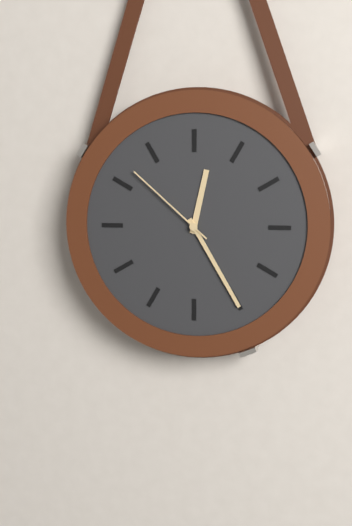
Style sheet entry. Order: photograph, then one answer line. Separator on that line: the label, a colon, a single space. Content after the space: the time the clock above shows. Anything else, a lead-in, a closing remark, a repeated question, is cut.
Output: 12:25:52
